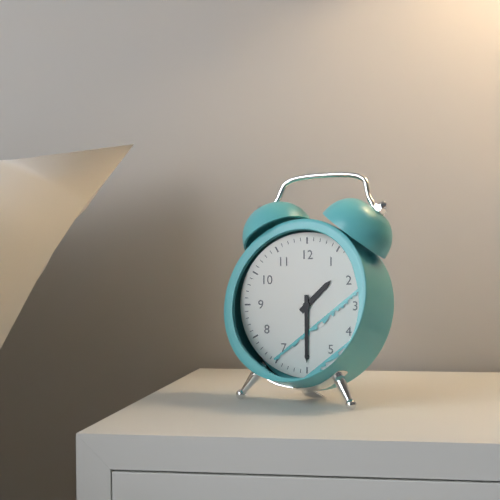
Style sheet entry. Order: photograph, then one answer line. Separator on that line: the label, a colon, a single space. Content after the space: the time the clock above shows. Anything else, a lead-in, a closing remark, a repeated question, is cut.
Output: 1:30
